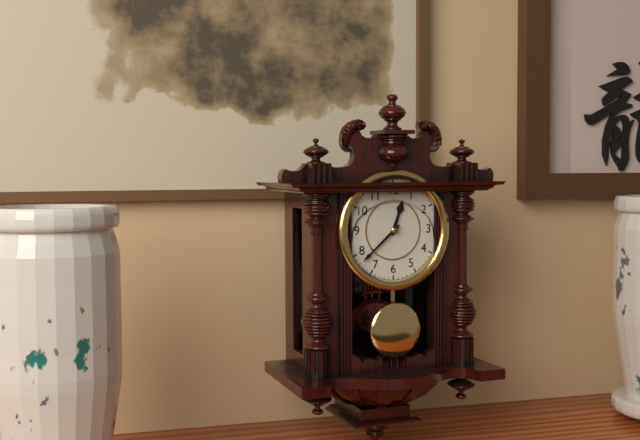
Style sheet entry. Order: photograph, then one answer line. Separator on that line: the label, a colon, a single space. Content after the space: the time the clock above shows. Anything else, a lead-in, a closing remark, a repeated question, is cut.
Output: 12:38
